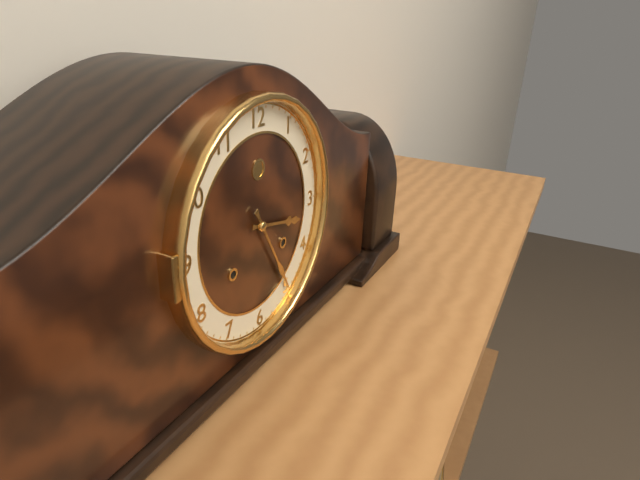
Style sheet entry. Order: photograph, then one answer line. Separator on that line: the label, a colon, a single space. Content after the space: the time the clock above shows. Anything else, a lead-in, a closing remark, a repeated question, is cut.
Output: 3:25
